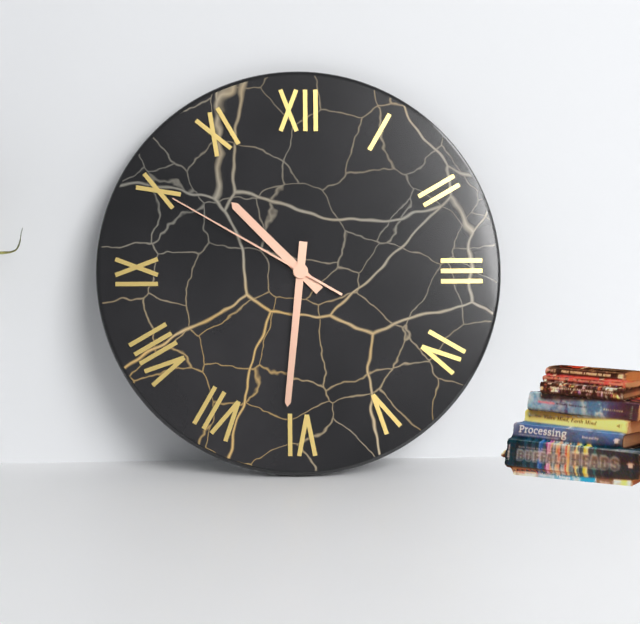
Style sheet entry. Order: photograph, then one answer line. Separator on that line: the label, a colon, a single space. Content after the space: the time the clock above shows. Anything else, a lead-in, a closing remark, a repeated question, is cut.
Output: 10:31:50
